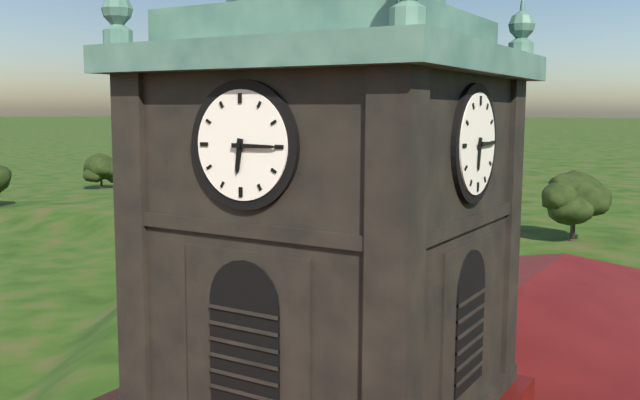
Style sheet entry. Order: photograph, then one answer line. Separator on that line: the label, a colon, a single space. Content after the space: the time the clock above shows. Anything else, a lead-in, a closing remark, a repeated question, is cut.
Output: 6:15
